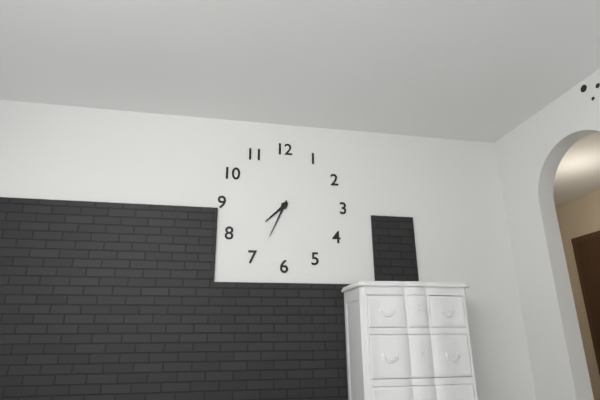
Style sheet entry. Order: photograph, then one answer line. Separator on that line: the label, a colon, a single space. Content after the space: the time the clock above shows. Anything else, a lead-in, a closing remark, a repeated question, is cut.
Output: 7:34
